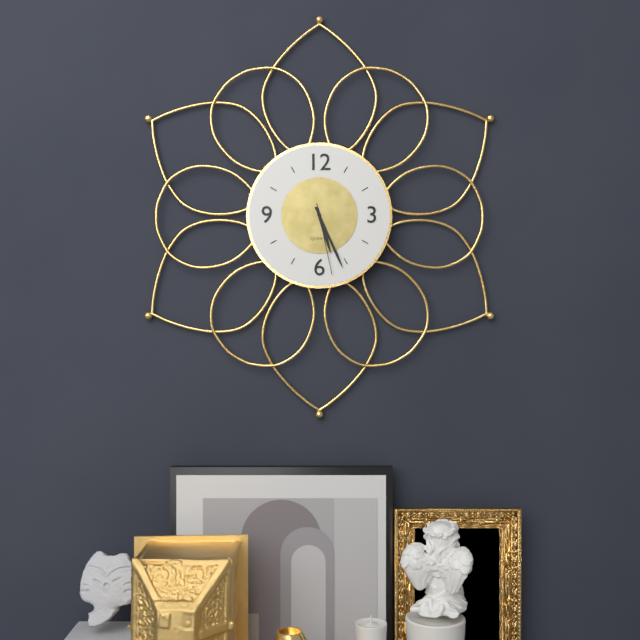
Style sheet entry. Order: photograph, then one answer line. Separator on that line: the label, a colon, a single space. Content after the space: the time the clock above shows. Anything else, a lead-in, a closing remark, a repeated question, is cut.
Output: 5:26:28
